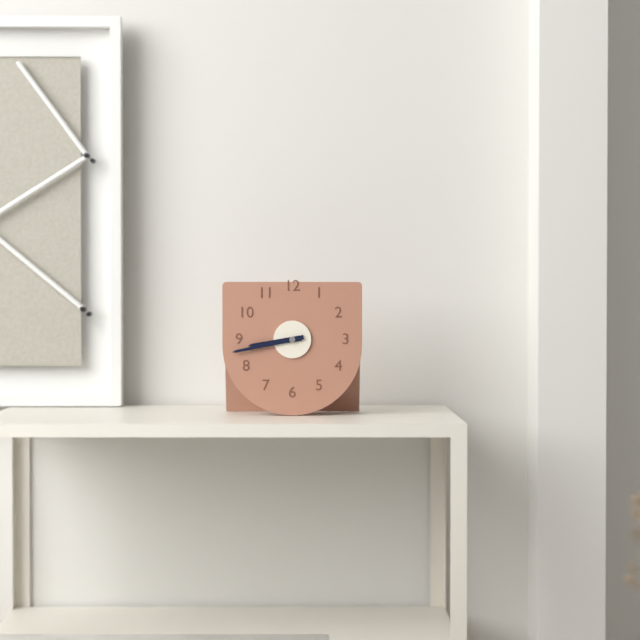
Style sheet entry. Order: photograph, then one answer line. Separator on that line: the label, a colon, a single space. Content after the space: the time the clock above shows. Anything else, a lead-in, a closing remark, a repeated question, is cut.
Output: 8:43
